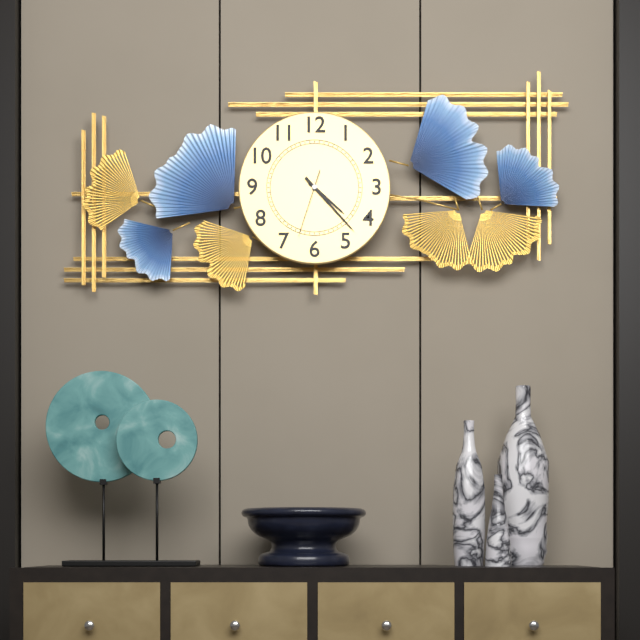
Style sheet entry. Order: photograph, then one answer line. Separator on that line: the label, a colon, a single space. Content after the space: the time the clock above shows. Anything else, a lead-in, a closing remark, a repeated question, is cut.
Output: 4:23:33
